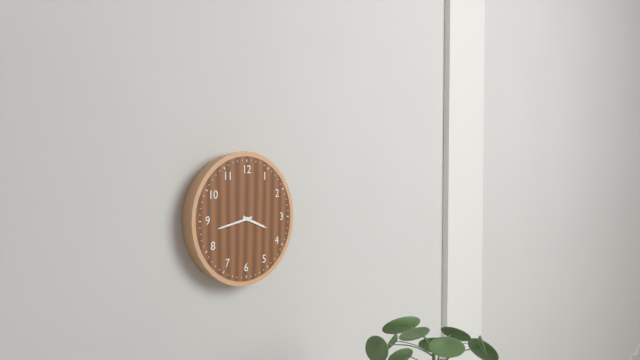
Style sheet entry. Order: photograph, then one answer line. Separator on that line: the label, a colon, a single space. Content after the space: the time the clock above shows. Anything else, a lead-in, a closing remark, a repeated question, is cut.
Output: 3:43
